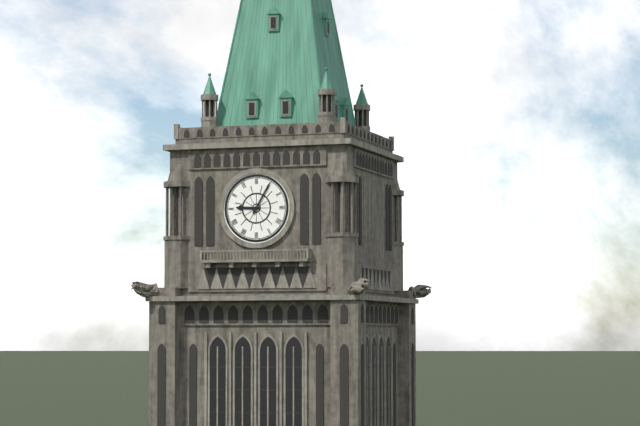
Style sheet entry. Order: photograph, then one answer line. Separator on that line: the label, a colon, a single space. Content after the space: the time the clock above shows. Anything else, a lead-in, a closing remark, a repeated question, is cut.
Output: 9:05
